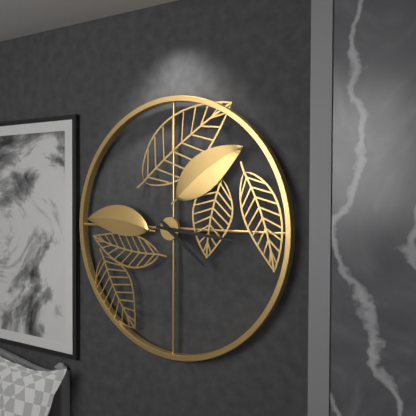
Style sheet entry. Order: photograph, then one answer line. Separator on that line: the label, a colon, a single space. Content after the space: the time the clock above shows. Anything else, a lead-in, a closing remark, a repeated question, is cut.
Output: 4:16
